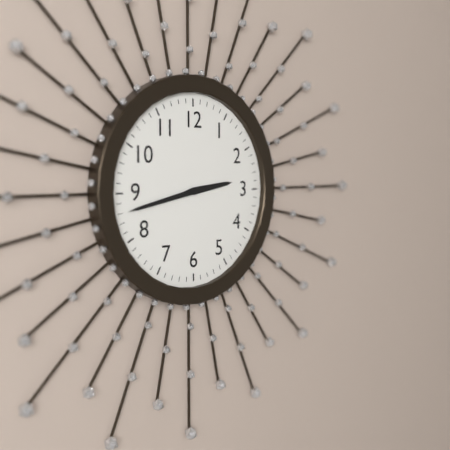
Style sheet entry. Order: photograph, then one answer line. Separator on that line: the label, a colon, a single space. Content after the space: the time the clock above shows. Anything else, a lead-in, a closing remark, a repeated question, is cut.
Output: 2:43
